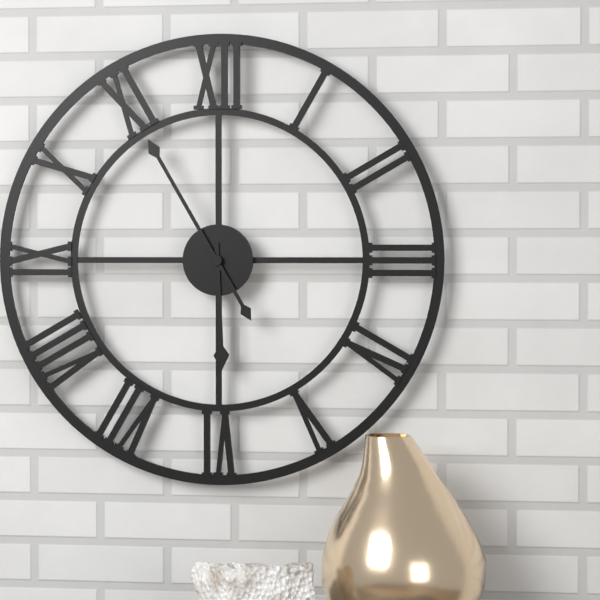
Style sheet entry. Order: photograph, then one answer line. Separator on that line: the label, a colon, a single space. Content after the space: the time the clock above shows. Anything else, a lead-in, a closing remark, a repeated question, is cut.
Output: 5:55
